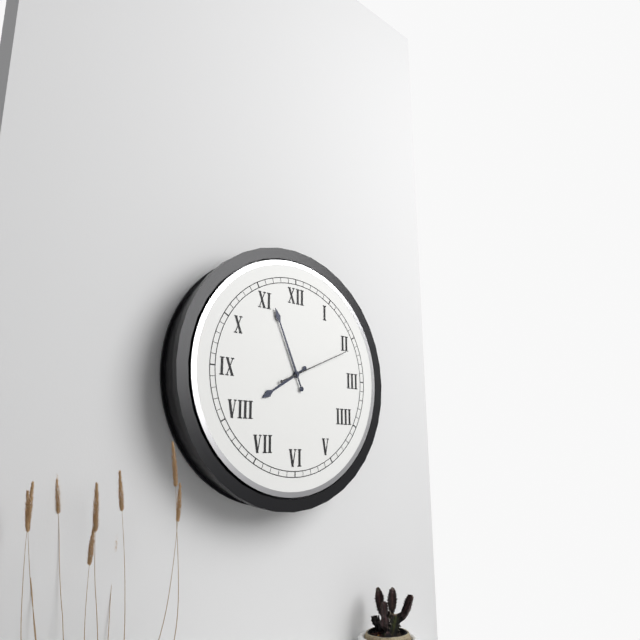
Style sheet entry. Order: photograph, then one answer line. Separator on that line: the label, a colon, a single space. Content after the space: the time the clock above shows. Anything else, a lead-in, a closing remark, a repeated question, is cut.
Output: 7:56:11
